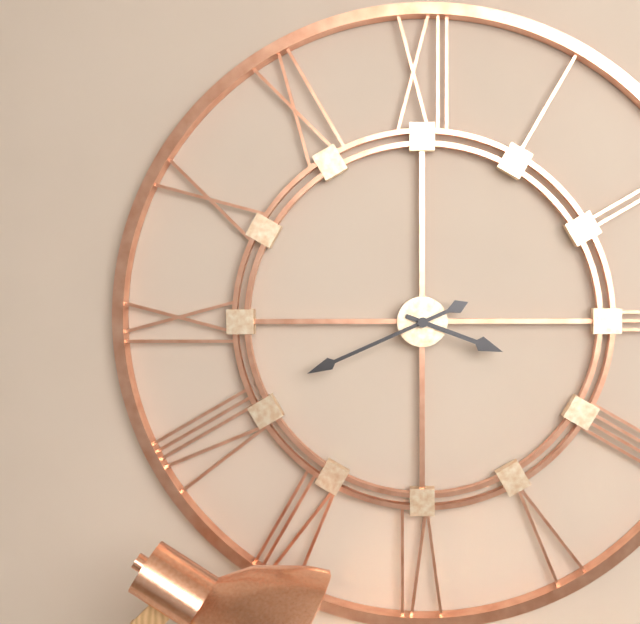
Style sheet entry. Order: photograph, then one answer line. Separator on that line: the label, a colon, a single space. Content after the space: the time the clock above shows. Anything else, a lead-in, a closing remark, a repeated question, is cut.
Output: 3:41
